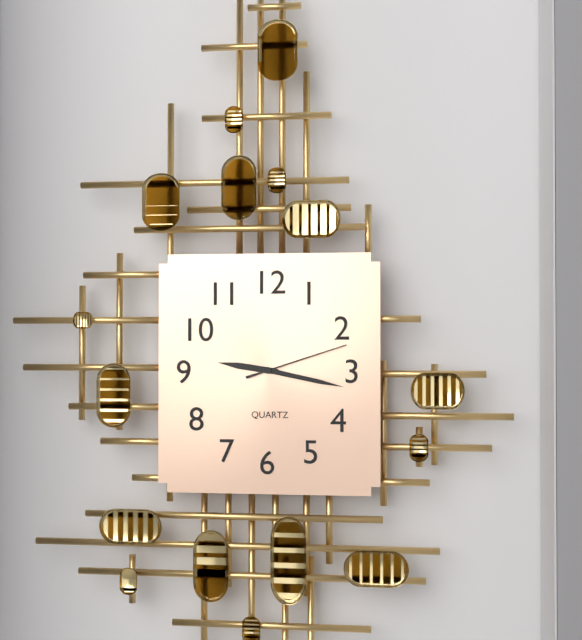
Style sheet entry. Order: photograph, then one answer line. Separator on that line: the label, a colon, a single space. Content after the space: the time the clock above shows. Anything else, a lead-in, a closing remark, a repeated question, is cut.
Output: 9:17:12
